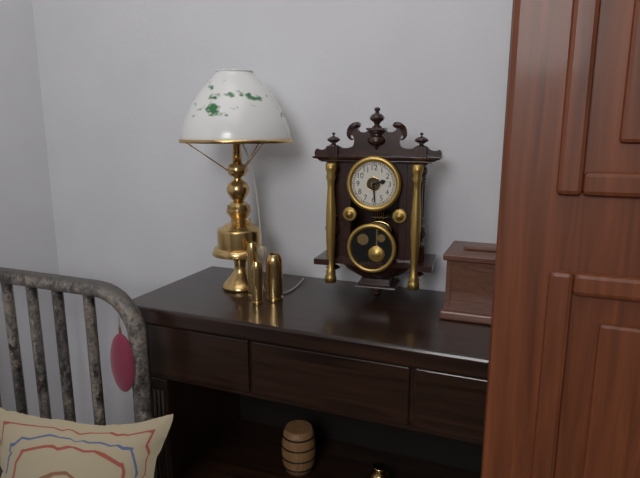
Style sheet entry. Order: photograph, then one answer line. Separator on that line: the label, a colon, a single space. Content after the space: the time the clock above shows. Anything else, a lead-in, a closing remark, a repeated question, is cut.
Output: 2:29
